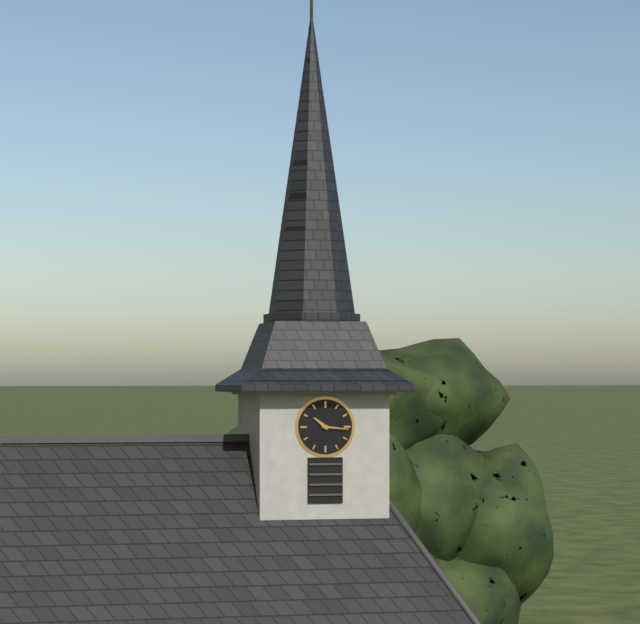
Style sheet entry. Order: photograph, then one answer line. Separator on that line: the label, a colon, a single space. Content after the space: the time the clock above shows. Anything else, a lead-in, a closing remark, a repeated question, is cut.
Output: 10:16
